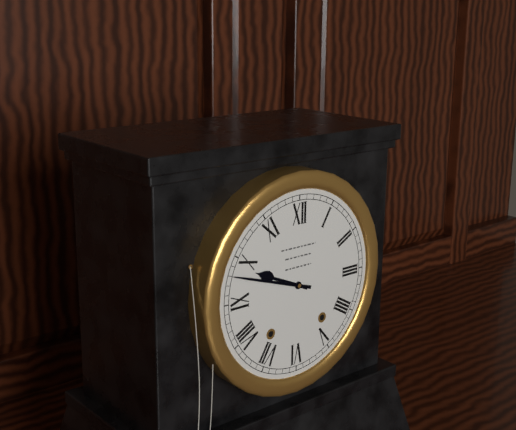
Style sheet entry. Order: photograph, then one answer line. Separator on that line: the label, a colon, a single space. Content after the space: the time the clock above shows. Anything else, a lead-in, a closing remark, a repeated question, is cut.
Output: 9:48
